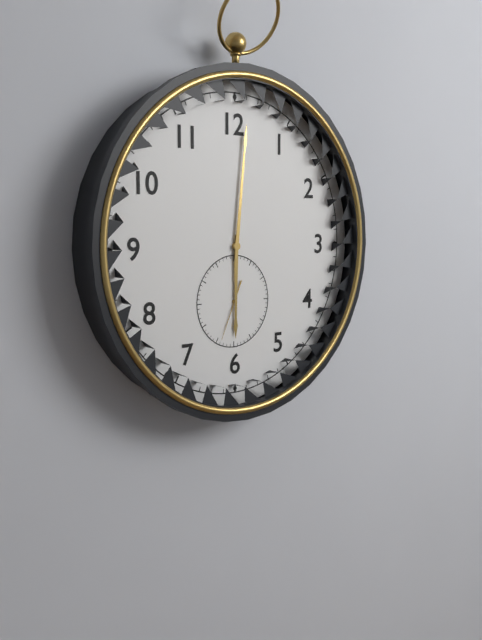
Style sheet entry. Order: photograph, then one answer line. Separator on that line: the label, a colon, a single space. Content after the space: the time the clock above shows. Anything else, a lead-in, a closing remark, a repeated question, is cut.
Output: 6:01:34
